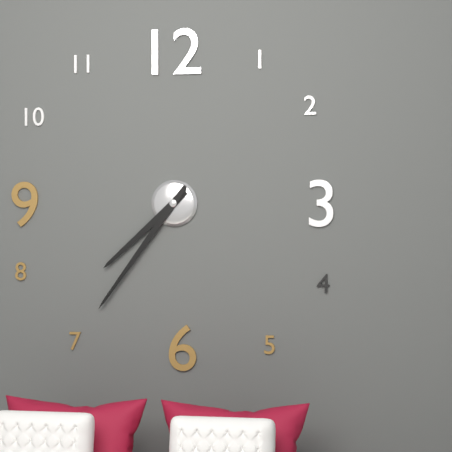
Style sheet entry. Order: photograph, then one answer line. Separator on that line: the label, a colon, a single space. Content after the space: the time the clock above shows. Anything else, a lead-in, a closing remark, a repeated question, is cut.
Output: 7:36
